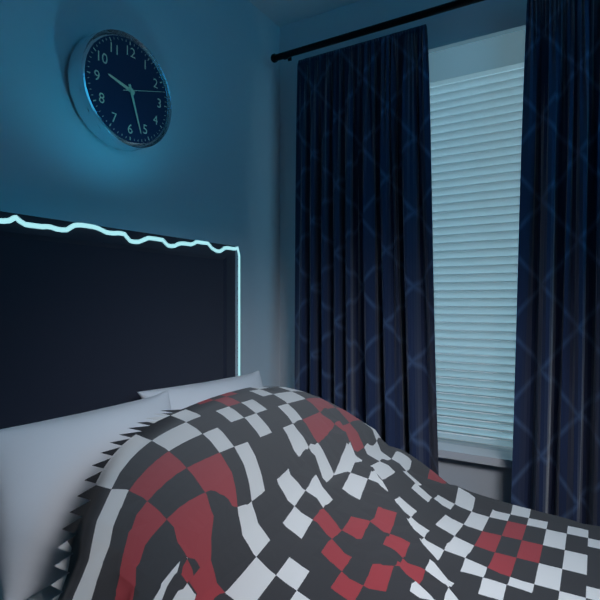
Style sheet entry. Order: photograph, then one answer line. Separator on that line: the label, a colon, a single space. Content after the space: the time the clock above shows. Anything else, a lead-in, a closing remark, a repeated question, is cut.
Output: 9:27
